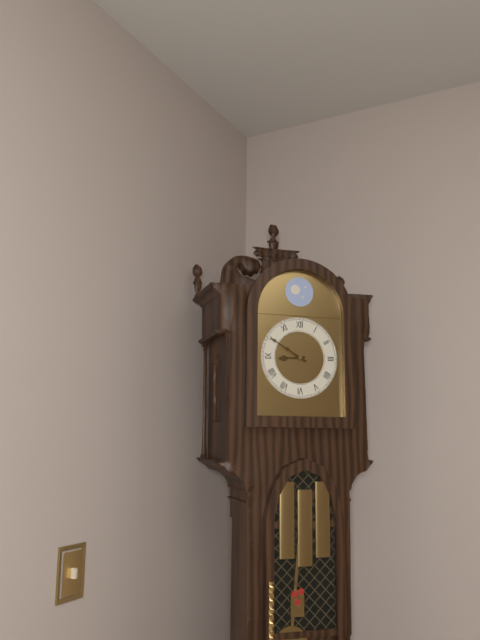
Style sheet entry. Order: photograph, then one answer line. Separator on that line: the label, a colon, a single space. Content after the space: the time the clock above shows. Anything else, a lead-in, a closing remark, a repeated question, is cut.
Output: 8:50
